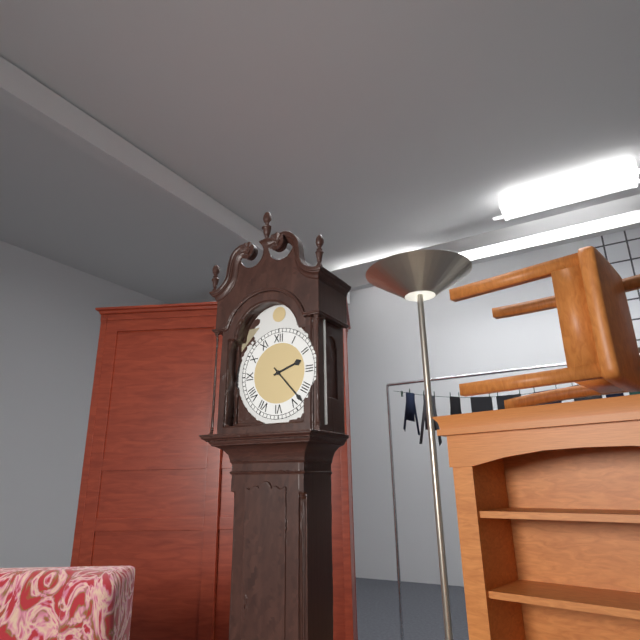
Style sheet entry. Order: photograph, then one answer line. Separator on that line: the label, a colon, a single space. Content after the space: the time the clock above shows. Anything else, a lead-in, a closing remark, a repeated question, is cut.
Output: 2:23
